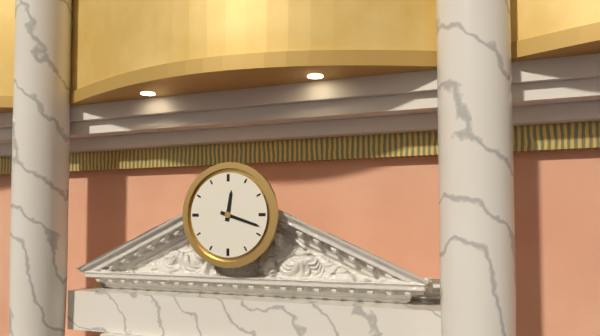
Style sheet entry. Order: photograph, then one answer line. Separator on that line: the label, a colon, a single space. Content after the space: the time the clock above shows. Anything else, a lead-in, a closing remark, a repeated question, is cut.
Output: 12:18
